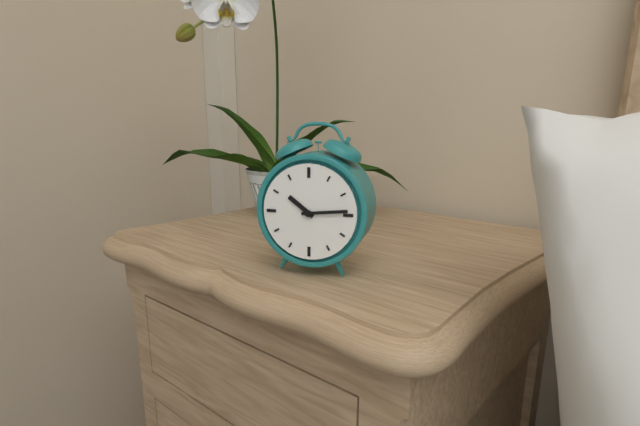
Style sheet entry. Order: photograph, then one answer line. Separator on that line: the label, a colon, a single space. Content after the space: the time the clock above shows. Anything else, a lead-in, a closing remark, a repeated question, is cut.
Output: 10:14
